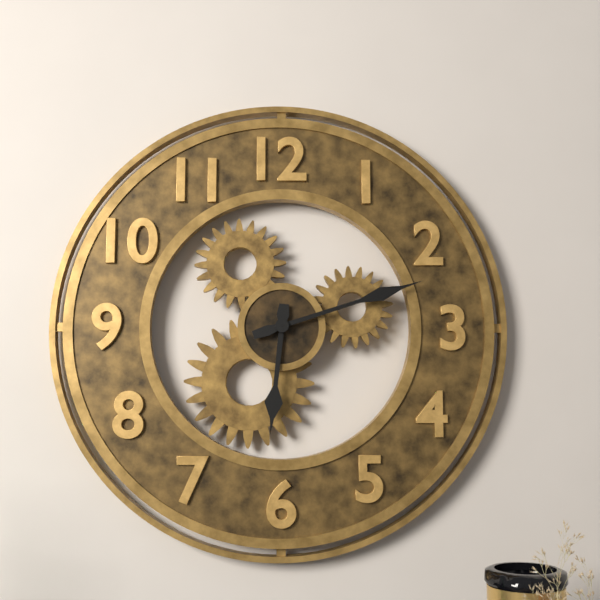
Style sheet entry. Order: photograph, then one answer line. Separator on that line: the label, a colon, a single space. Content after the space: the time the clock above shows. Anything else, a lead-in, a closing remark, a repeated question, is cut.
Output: 6:12
